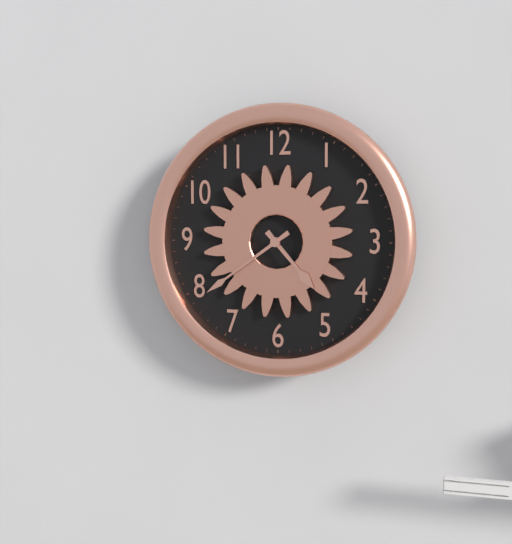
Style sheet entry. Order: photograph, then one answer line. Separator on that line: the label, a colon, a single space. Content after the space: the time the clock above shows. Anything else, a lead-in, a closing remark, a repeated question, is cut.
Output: 4:39
